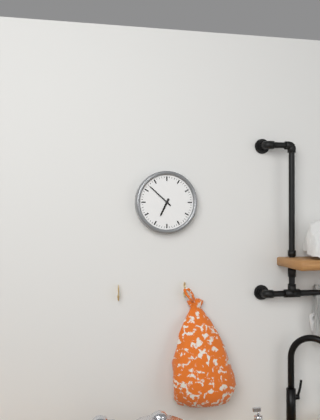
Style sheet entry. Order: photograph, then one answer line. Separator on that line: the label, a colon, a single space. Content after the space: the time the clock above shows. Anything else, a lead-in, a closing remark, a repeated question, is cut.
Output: 6:52
